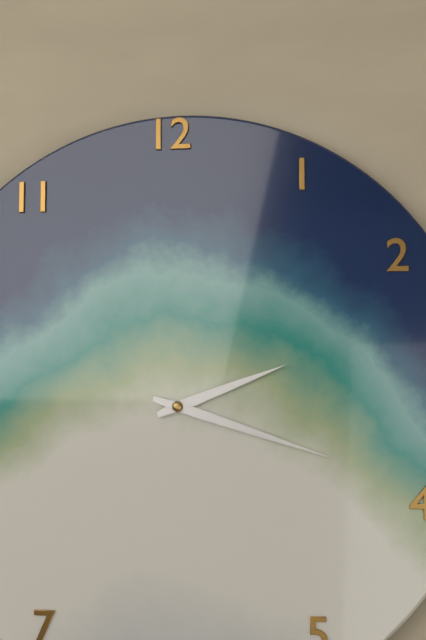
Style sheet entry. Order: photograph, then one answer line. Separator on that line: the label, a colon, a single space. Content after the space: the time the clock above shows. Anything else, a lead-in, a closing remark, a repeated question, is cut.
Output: 2:18
